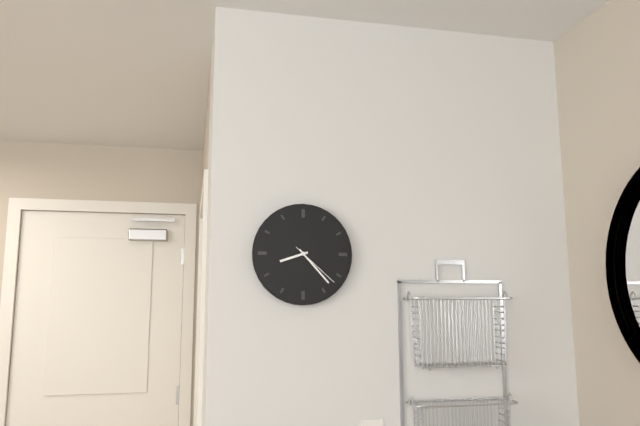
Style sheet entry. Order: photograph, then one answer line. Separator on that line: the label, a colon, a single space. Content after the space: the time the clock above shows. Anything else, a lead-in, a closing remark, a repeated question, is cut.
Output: 8:23:22
